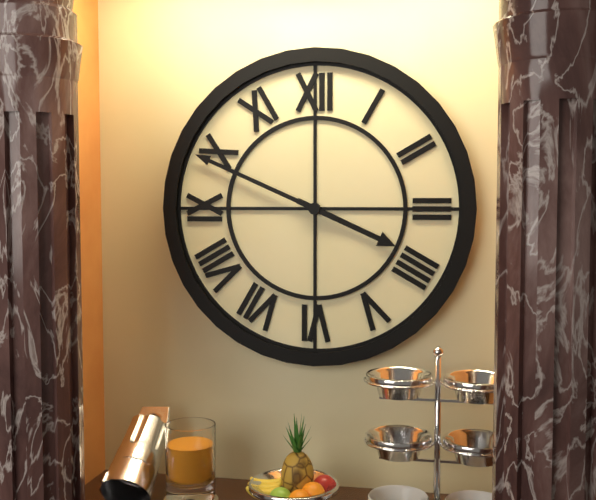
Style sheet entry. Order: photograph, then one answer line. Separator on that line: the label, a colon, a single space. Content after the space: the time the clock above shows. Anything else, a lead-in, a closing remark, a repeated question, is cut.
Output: 3:49
